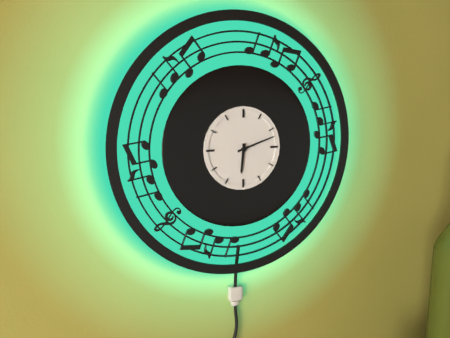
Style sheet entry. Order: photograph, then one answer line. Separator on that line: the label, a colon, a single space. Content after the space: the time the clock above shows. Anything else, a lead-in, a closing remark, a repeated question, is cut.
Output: 6:12
